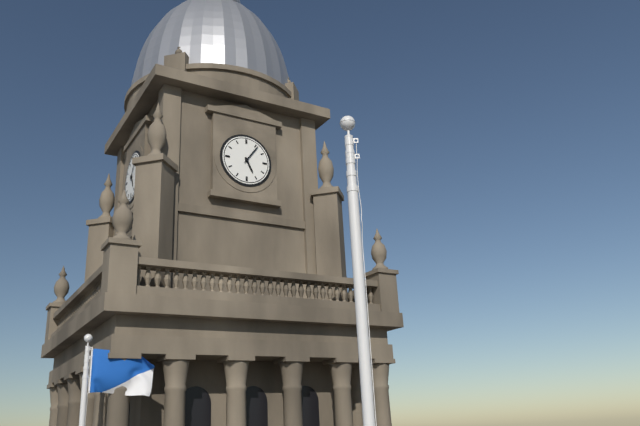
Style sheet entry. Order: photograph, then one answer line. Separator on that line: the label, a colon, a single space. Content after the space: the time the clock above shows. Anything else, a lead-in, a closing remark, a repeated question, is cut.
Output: 5:06
